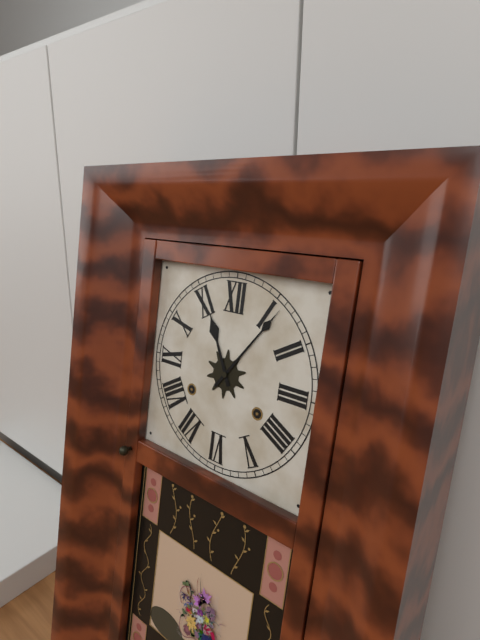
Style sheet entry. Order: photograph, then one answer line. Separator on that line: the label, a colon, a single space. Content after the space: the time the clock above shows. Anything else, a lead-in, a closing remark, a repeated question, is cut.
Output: 11:06
